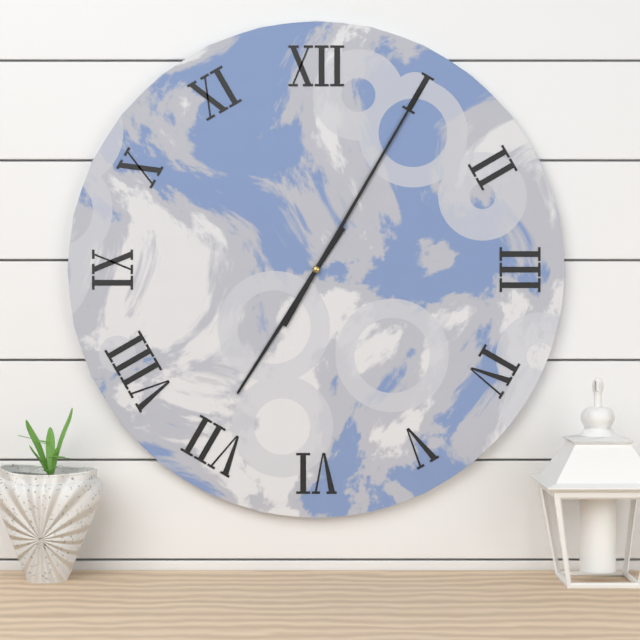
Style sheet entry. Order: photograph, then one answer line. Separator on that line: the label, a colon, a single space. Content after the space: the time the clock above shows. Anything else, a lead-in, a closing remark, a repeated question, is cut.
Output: 7:05
